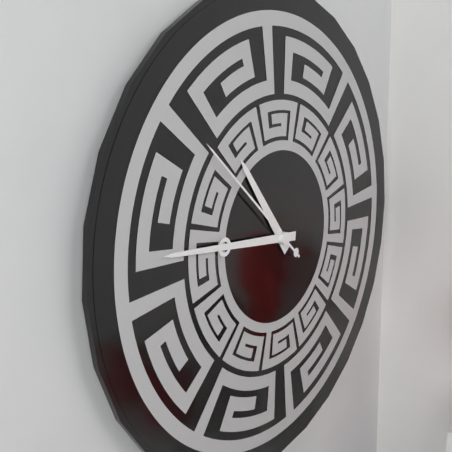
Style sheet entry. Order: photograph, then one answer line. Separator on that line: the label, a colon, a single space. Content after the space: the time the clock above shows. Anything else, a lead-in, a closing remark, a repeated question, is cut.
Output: 10:46:52
